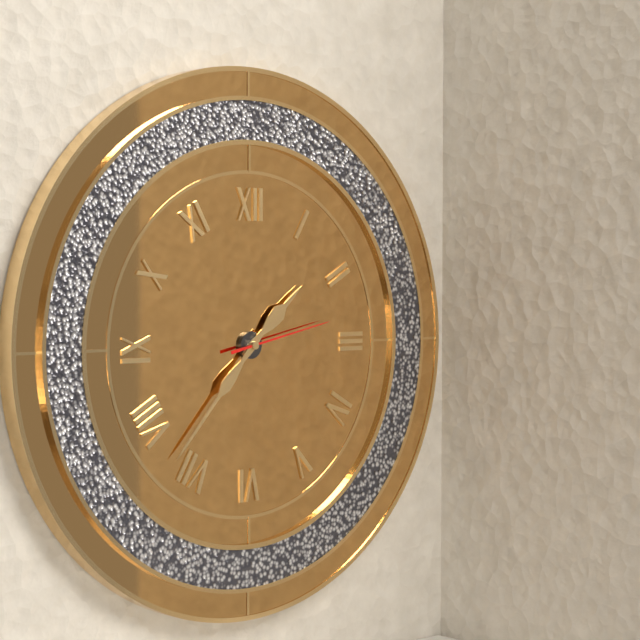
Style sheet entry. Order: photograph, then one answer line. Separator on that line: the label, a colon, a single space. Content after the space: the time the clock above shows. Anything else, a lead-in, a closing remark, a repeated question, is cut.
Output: 1:37:13
